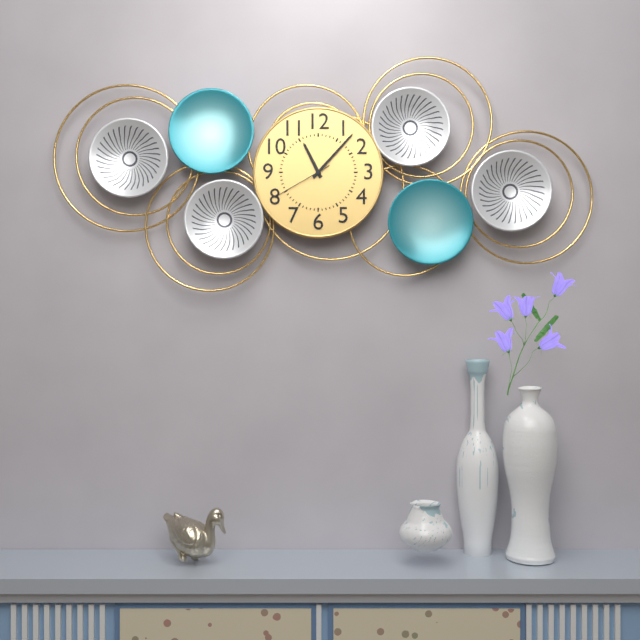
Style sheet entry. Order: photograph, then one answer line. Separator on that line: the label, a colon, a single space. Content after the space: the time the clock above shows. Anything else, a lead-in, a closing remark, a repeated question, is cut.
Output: 11:07:40
